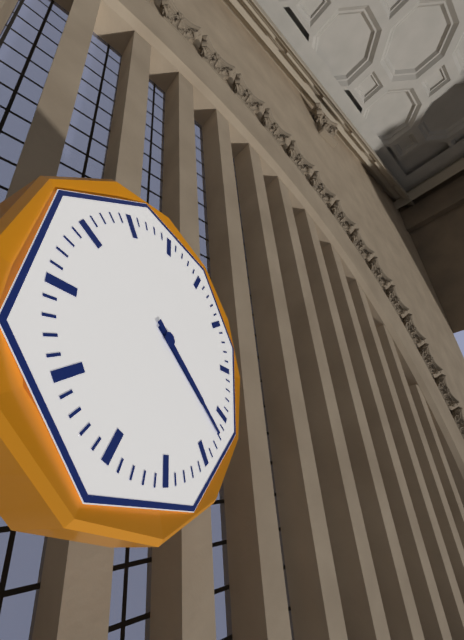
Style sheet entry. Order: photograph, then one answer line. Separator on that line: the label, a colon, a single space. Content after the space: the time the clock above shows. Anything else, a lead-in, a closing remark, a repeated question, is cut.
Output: 4:22
